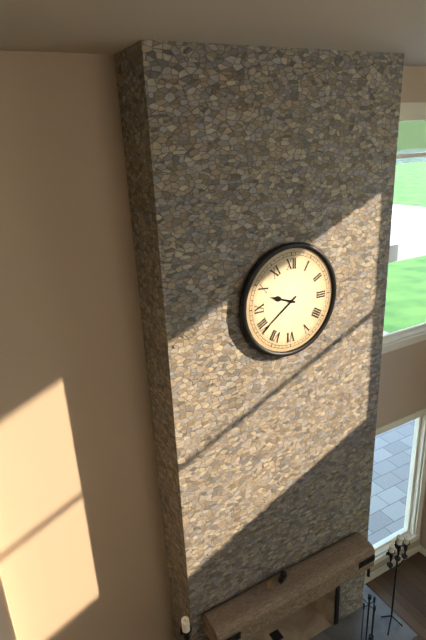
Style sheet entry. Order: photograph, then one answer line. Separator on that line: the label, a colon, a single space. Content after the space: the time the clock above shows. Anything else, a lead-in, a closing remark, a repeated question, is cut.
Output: 9:39
